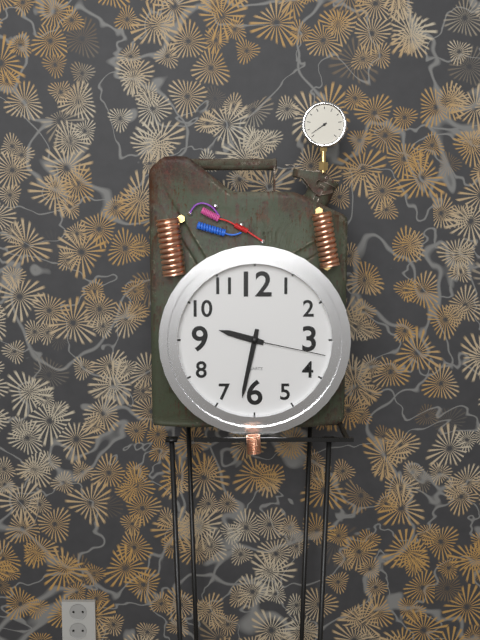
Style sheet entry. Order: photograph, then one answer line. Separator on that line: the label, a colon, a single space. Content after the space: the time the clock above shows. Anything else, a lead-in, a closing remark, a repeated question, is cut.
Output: 9:32:17
